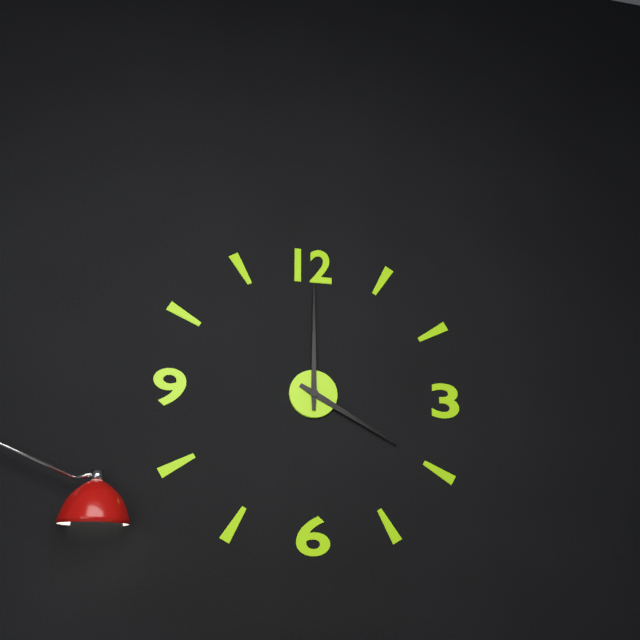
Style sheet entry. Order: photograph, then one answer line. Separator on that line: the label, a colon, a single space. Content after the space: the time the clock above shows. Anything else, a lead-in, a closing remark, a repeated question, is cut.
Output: 4:00
